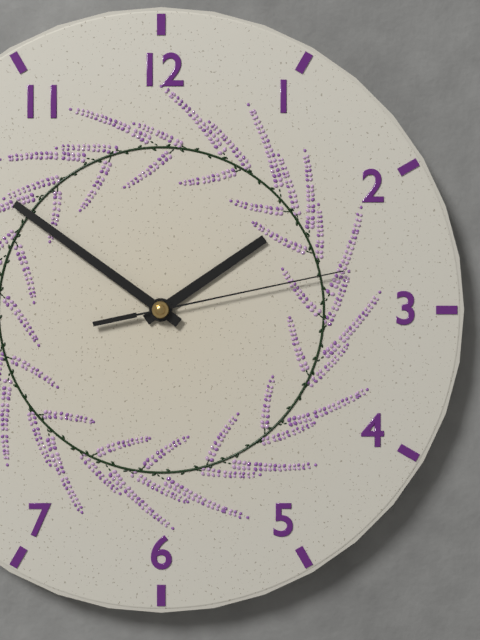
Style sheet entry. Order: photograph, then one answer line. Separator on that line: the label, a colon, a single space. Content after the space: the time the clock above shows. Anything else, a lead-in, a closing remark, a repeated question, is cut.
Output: 1:51:13
